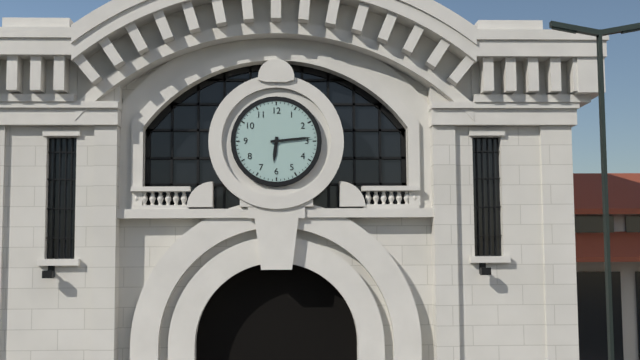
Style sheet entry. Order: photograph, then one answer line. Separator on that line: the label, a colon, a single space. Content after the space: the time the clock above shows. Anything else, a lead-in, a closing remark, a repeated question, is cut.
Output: 6:14
